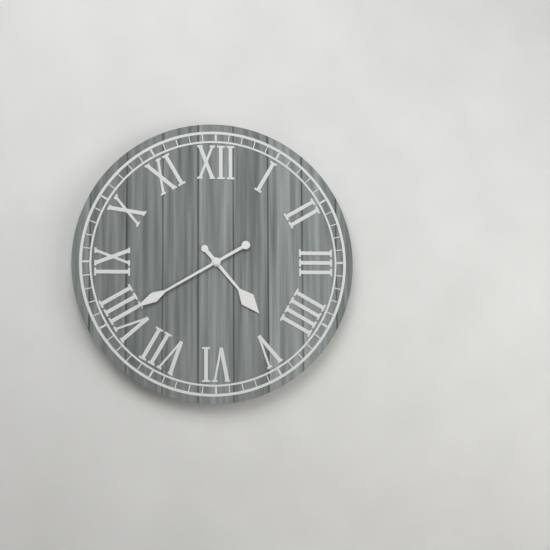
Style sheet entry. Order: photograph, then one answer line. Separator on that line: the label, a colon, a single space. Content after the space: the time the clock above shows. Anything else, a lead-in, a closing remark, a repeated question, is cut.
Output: 4:40
